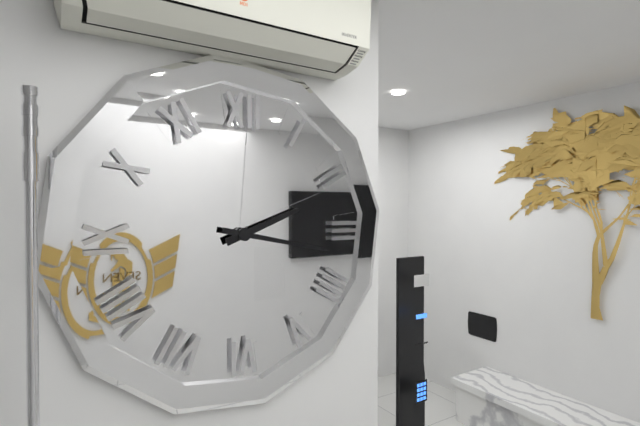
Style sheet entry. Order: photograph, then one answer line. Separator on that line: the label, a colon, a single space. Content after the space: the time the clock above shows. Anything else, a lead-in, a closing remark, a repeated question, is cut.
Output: 2:17
